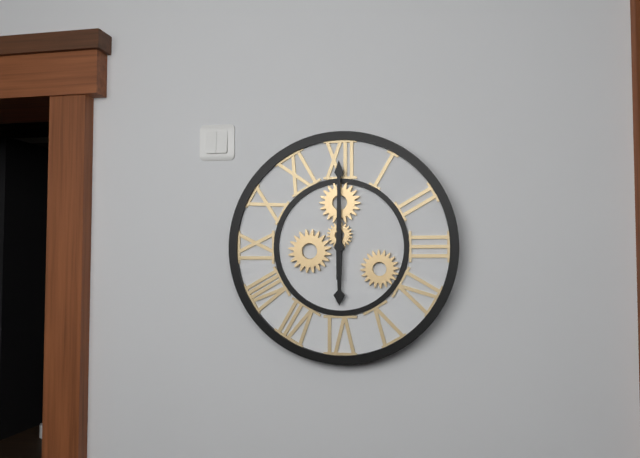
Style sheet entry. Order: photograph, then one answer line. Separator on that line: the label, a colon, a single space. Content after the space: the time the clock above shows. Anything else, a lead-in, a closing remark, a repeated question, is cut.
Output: 6:00
